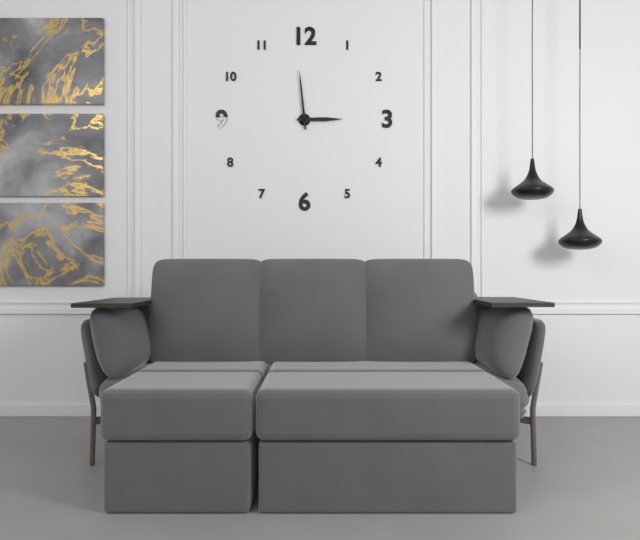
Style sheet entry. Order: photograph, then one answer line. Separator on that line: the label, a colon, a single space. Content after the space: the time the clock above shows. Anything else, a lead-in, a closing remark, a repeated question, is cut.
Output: 2:59
